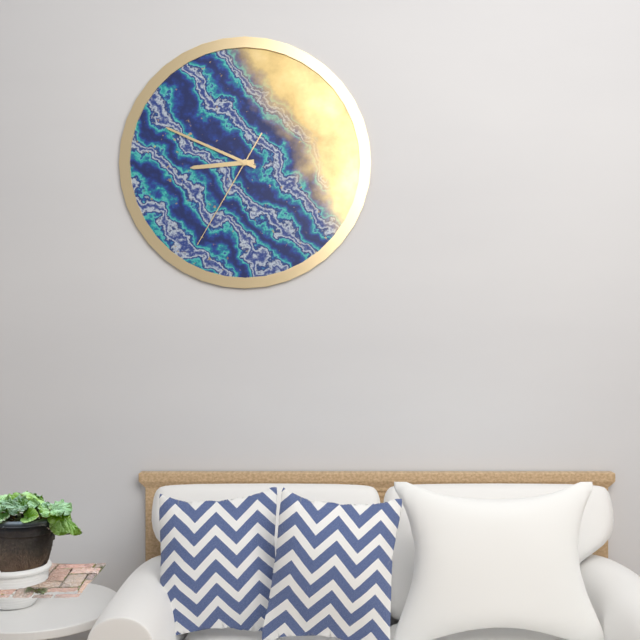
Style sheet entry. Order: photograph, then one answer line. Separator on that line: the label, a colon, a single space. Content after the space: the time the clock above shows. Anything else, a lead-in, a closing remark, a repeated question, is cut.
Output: 8:49:35
